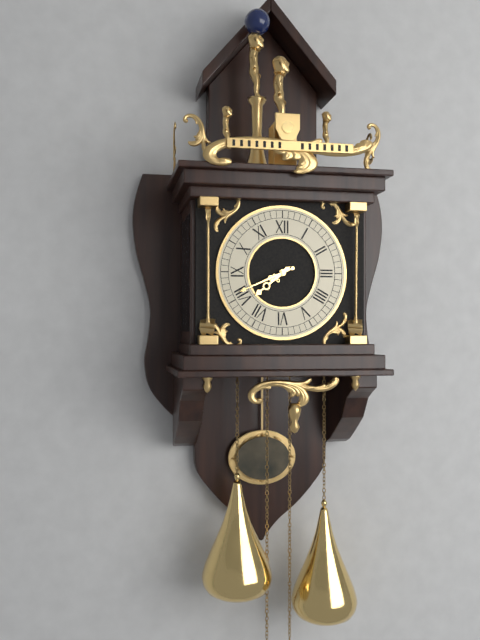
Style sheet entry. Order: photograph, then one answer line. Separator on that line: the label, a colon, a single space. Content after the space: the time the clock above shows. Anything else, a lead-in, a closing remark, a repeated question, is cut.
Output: 7:41
